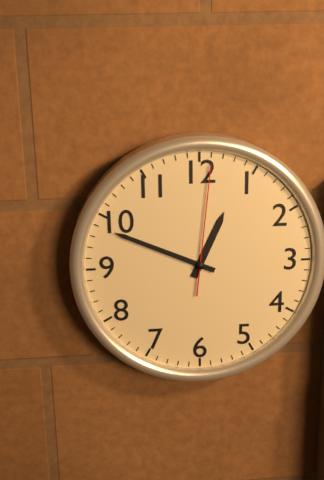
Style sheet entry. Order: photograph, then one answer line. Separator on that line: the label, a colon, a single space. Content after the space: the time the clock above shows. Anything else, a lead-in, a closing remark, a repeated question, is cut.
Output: 12:49:01
